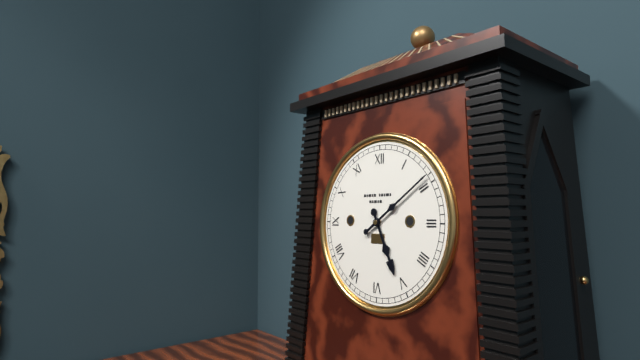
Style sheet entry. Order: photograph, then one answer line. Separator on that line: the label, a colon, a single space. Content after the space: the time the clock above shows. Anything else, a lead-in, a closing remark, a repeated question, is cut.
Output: 5:09
